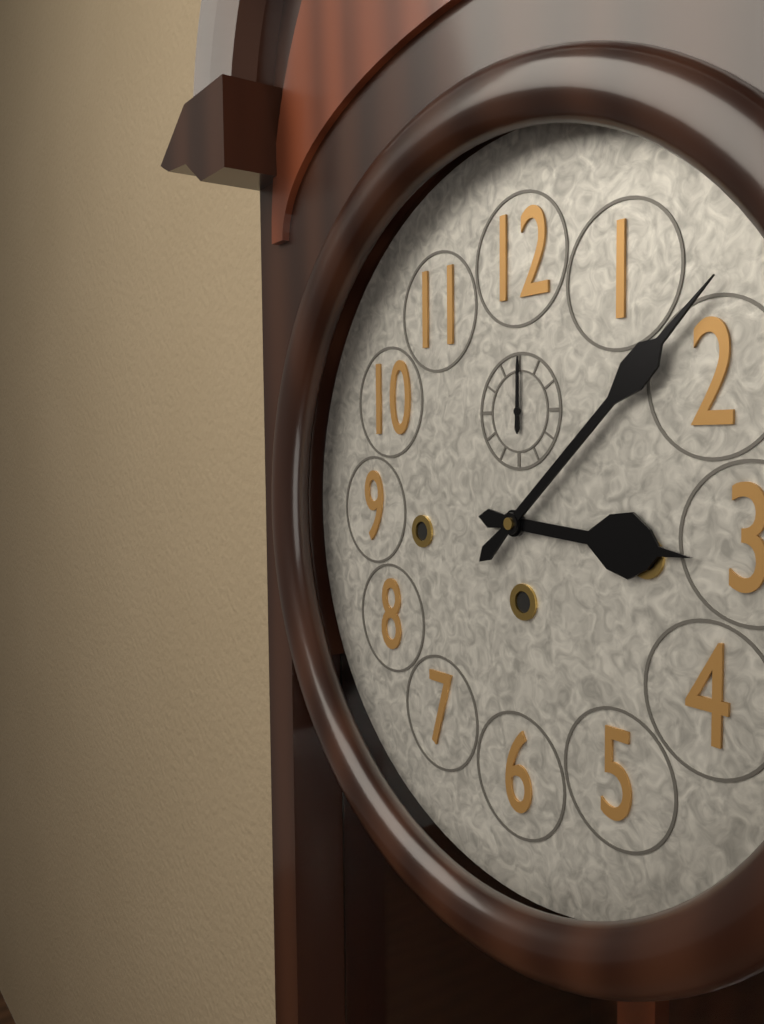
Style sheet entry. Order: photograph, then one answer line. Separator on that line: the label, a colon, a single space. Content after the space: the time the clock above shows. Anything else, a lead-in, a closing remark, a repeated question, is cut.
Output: 3:08:00
